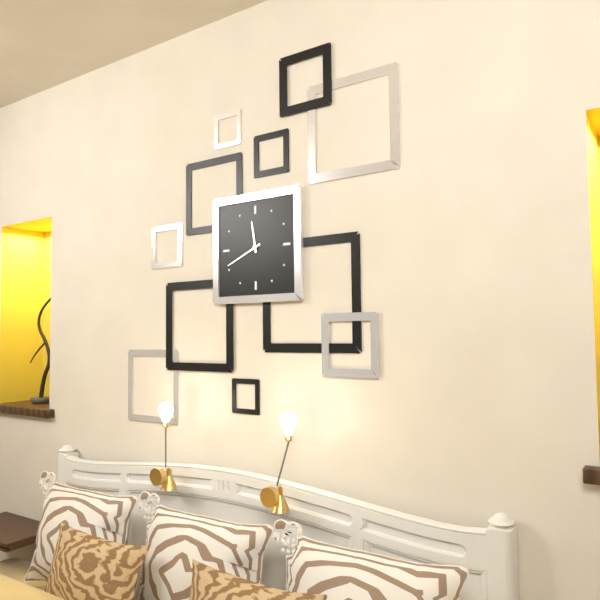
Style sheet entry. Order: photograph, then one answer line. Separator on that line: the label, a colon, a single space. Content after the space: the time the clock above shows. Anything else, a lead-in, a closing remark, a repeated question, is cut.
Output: 11:41
